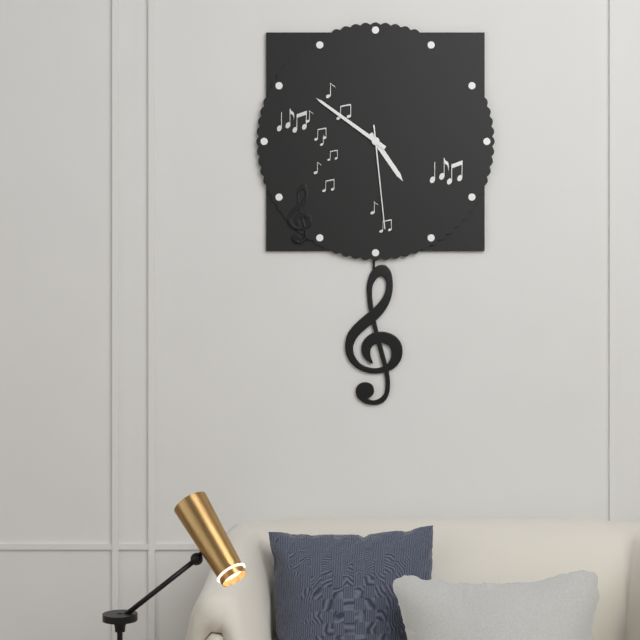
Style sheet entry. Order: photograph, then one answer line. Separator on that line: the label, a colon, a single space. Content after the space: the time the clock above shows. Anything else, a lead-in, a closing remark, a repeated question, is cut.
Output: 4:51:29
